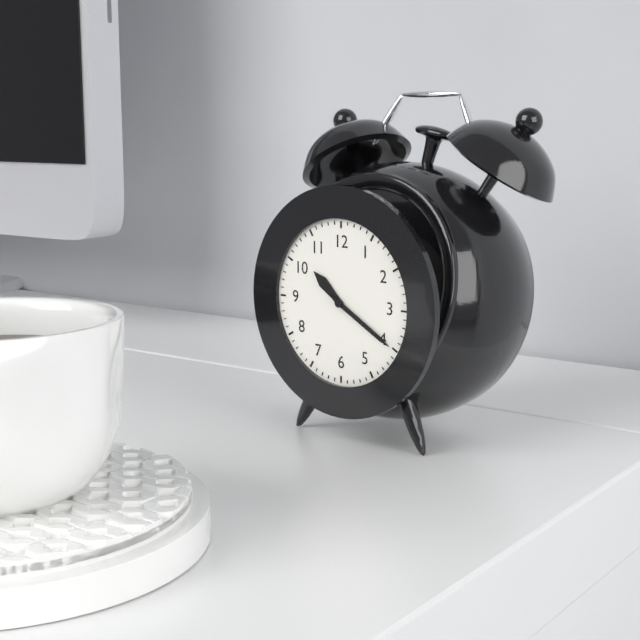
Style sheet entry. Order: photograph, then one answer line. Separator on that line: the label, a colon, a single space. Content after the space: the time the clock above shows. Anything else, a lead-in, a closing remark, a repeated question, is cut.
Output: 10:20
